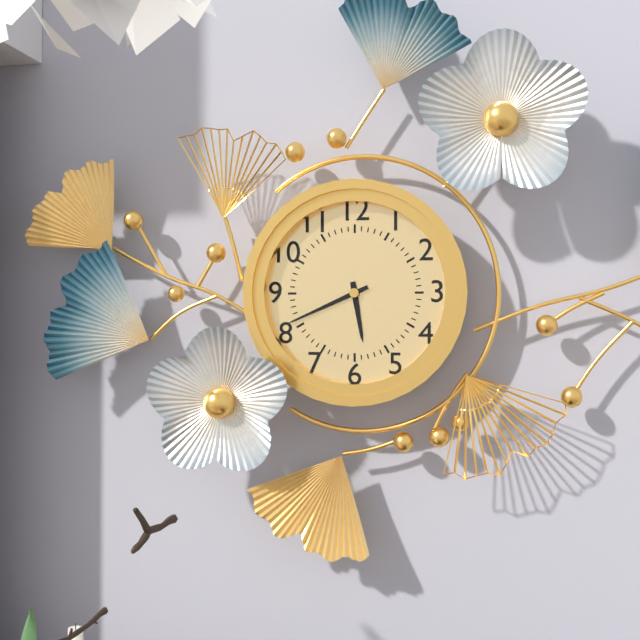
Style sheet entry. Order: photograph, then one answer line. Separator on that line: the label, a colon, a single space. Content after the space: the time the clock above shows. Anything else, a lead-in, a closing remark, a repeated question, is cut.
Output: 5:41
